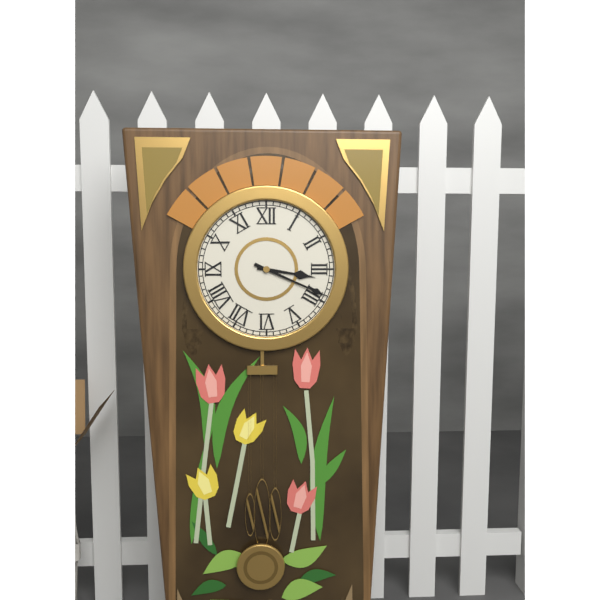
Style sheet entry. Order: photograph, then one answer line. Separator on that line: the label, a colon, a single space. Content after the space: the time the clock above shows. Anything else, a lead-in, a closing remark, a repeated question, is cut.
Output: 3:19
